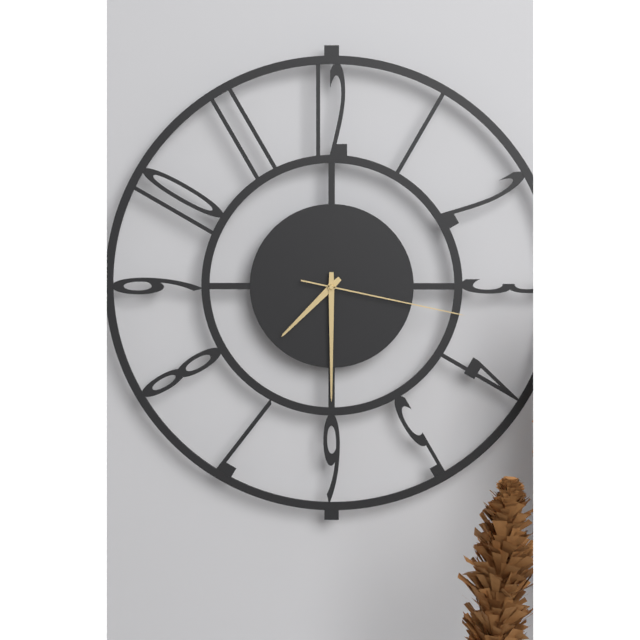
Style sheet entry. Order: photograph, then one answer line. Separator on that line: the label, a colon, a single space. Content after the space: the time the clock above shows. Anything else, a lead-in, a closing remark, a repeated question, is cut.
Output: 7:30:17
